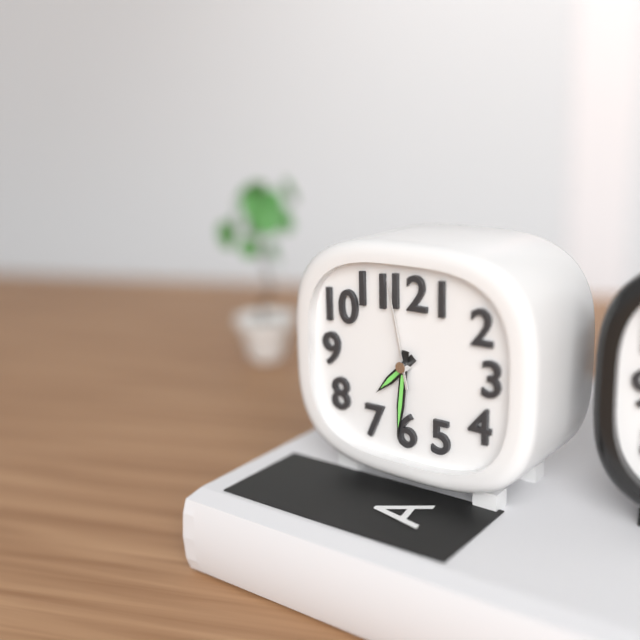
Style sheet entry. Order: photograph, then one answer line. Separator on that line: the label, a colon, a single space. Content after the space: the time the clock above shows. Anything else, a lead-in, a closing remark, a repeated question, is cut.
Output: 7:31:58
